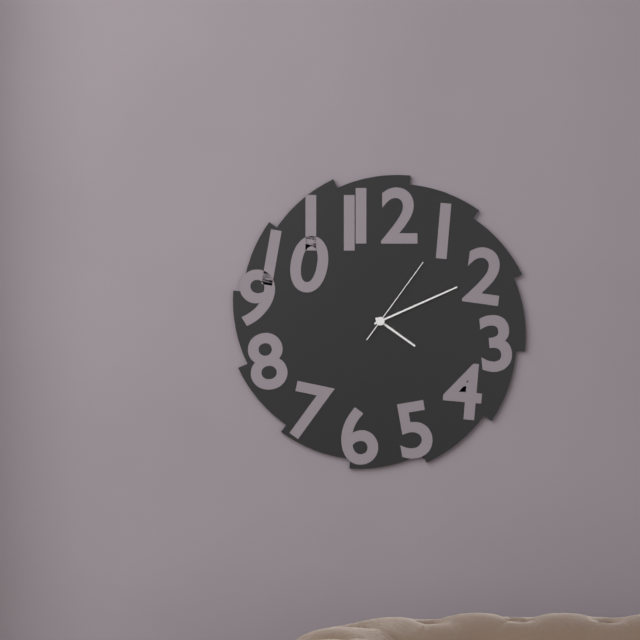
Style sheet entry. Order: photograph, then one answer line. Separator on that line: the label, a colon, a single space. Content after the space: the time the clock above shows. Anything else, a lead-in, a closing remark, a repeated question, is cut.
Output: 4:11:06
